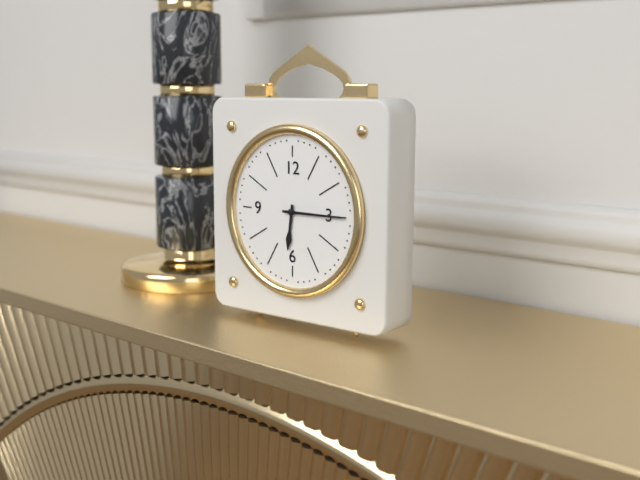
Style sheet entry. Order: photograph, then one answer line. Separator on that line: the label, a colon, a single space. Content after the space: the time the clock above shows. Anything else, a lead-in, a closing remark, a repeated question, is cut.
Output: 6:15
